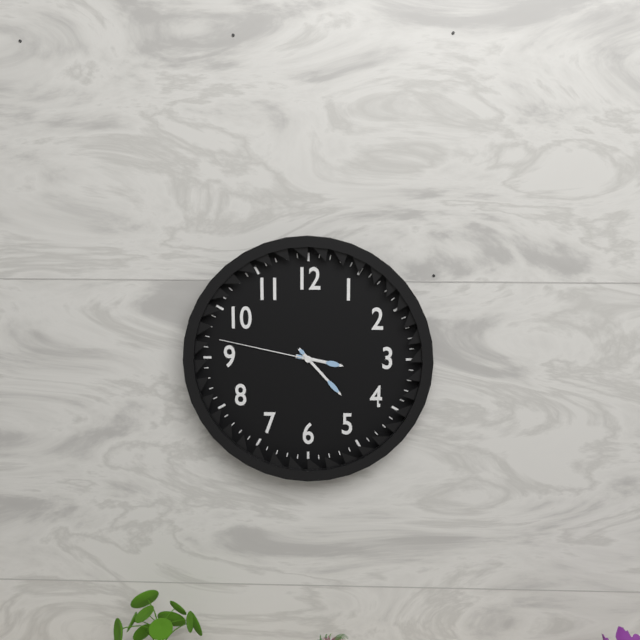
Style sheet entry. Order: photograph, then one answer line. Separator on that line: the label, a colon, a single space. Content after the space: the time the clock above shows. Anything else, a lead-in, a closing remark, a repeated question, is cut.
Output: 3:23:47
